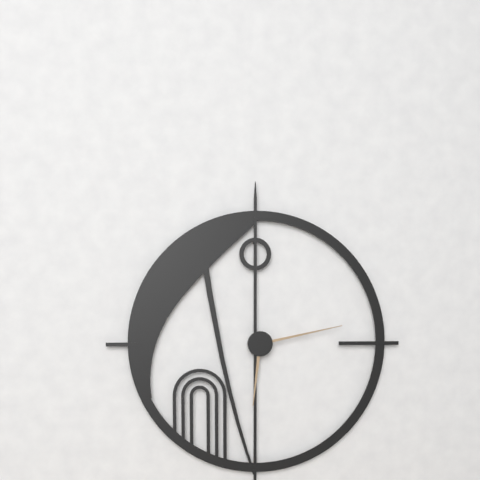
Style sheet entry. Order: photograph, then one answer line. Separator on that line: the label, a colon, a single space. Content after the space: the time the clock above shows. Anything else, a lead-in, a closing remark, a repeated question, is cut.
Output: 6:13
